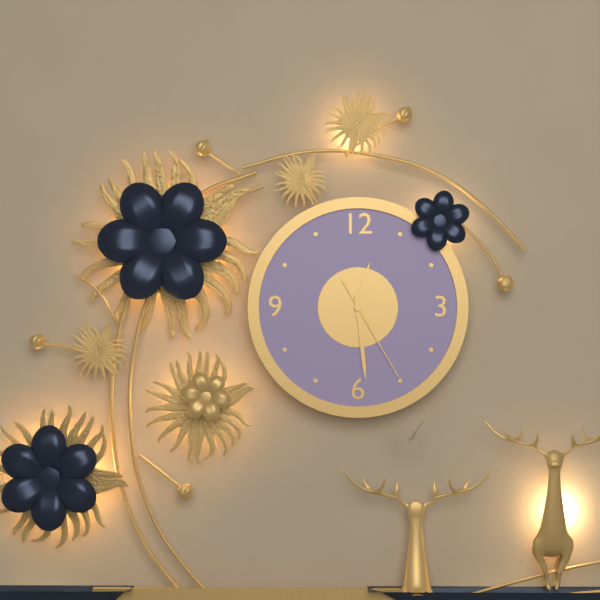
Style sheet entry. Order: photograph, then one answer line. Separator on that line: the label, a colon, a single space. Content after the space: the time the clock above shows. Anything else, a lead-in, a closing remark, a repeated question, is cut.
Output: 12:29:25
